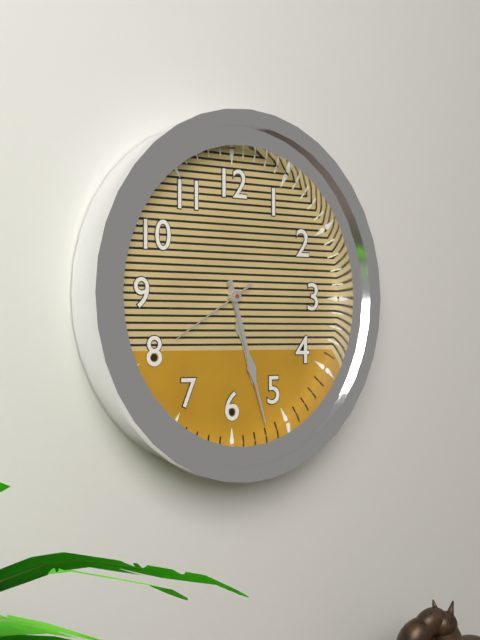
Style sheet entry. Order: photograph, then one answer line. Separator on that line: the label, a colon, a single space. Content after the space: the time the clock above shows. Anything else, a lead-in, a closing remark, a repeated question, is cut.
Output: 5:27:40
